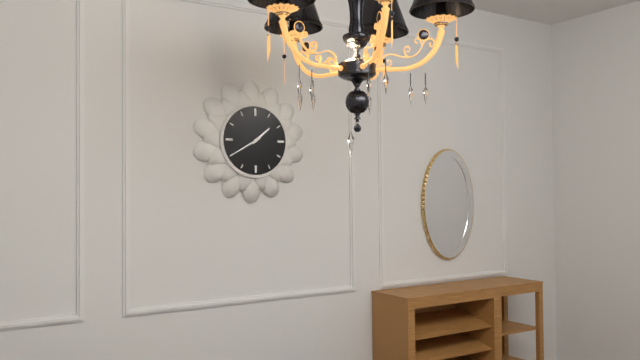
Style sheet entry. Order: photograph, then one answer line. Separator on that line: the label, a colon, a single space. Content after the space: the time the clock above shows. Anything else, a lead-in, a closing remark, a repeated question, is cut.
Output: 1:40
